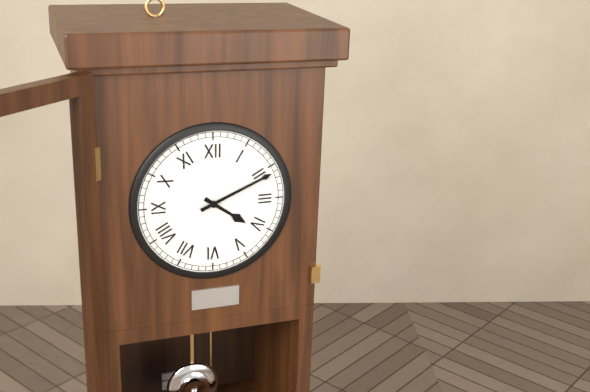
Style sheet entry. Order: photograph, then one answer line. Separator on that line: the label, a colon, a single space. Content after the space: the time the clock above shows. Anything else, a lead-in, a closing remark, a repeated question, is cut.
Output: 4:11
